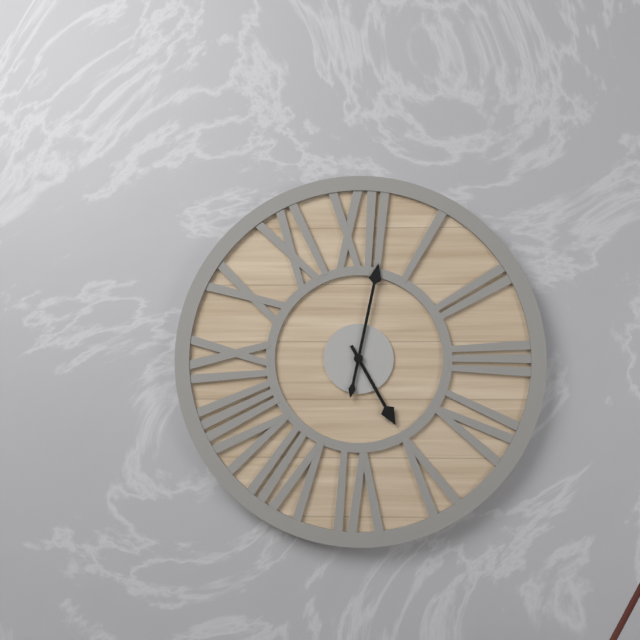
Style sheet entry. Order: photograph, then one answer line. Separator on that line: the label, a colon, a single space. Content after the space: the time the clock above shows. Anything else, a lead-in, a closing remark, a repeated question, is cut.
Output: 5:02
